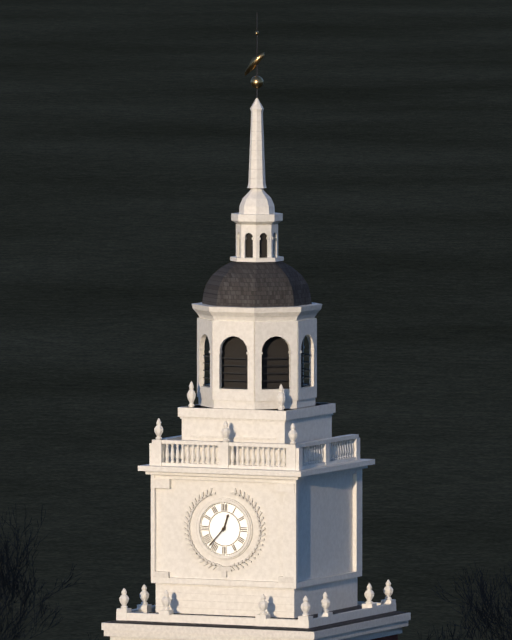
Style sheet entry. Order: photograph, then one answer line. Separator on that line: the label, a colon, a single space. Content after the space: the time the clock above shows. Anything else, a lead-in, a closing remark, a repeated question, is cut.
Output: 12:37
